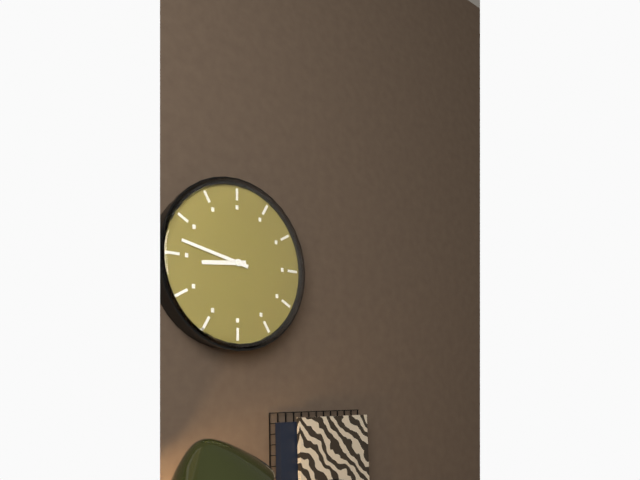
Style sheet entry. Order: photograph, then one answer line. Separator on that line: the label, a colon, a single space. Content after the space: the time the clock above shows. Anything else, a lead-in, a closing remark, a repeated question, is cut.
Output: 8:47
